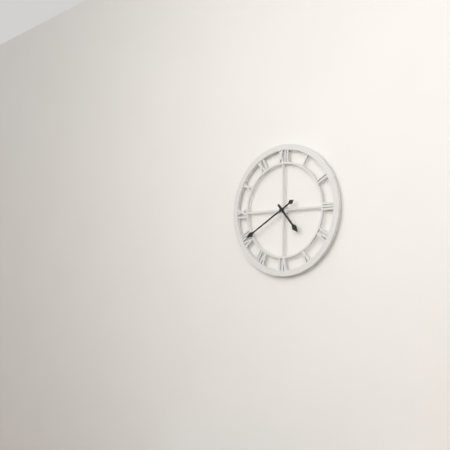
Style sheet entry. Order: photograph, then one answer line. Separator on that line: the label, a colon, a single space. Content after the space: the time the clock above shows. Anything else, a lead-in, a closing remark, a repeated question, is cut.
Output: 4:40
